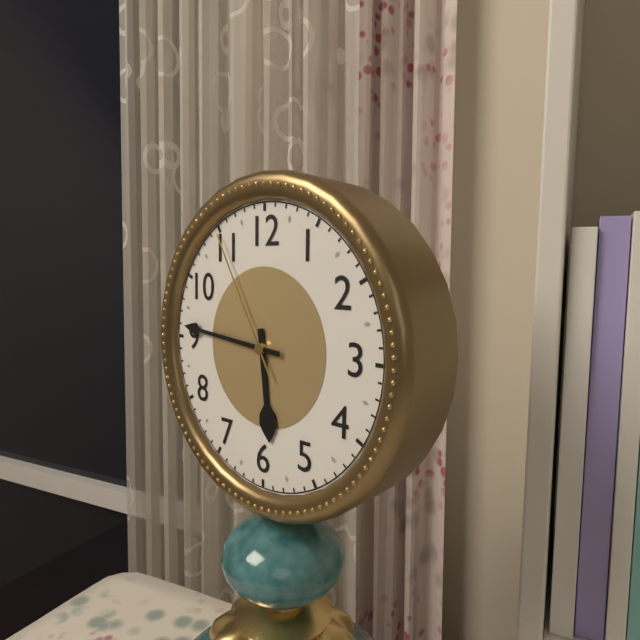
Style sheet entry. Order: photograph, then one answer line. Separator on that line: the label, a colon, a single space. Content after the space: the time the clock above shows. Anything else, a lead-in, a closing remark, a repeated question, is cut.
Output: 5:46:55
